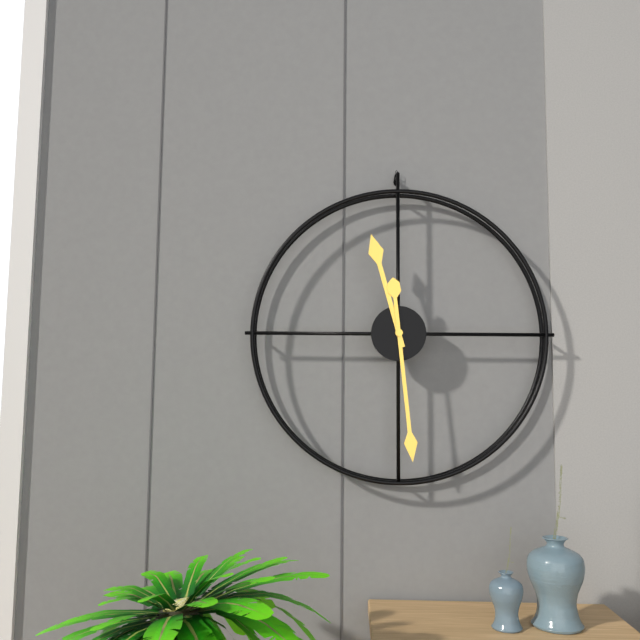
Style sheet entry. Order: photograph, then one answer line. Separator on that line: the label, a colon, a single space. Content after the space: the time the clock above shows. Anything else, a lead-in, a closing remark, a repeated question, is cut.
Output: 11:29
